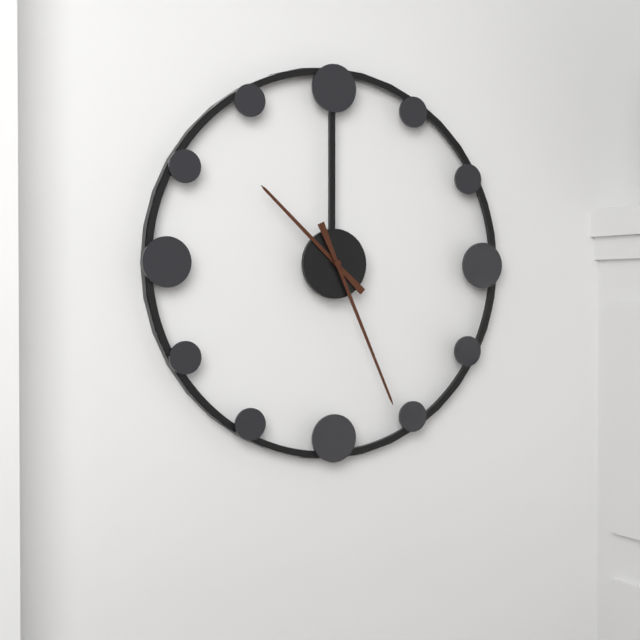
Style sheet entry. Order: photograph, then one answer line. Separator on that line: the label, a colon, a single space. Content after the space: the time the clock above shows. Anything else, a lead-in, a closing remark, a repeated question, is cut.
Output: 10:26
